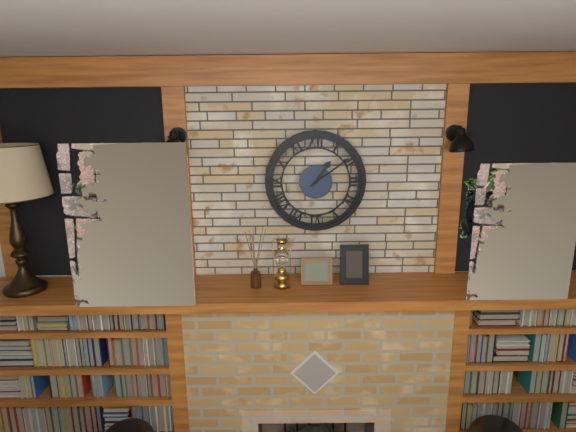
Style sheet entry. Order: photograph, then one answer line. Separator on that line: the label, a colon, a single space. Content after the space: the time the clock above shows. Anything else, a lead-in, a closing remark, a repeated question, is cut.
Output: 1:09
